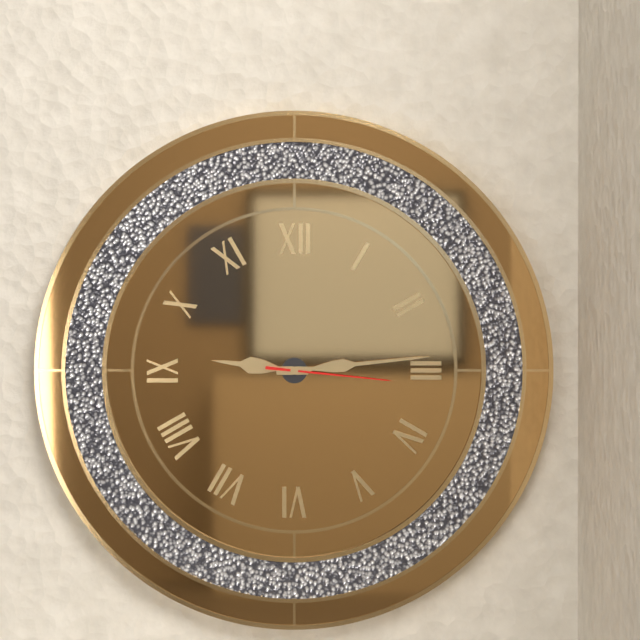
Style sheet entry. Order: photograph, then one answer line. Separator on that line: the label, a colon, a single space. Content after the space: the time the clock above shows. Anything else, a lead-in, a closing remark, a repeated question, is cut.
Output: 9:14:16
